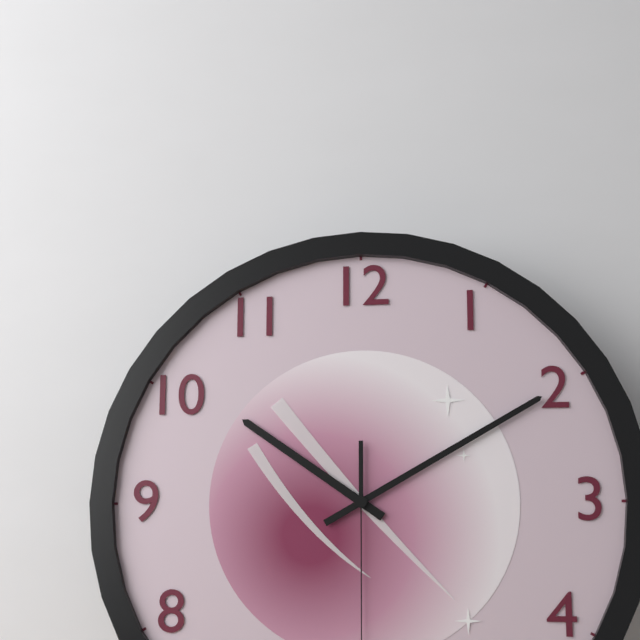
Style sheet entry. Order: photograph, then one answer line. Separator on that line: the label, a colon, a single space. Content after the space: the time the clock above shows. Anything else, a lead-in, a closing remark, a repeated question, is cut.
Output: 10:10
